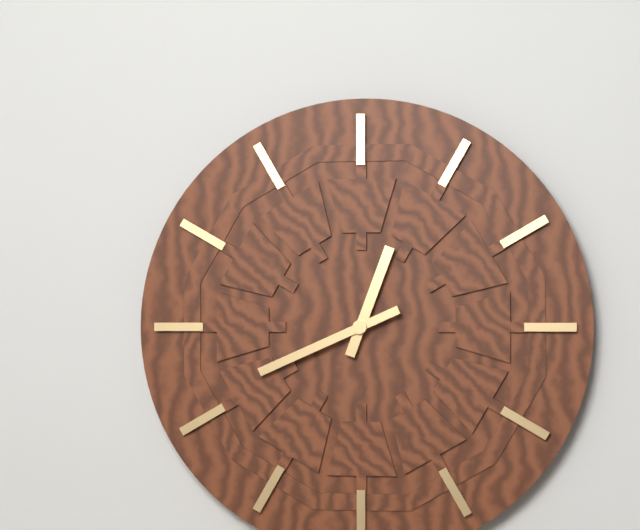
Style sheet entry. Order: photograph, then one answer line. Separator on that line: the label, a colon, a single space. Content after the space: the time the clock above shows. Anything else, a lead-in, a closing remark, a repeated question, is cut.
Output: 12:41
